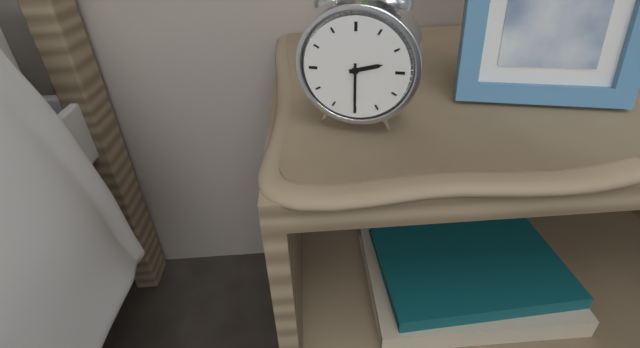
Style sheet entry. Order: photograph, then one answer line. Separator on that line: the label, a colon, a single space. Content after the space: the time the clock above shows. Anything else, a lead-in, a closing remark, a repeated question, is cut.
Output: 2:30
